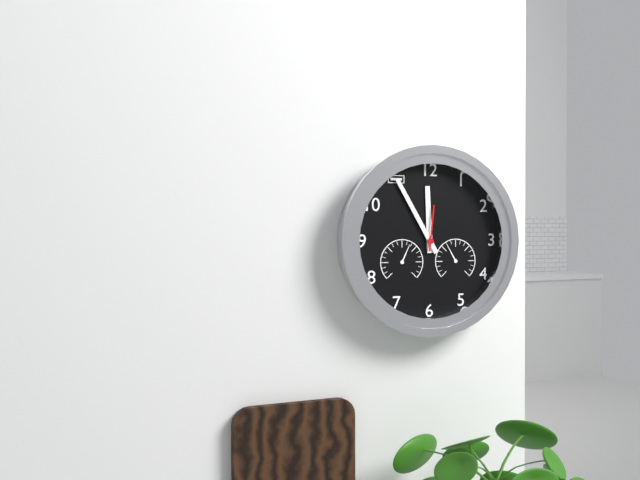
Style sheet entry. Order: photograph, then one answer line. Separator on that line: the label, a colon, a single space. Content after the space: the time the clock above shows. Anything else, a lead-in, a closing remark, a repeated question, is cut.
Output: 11:55
